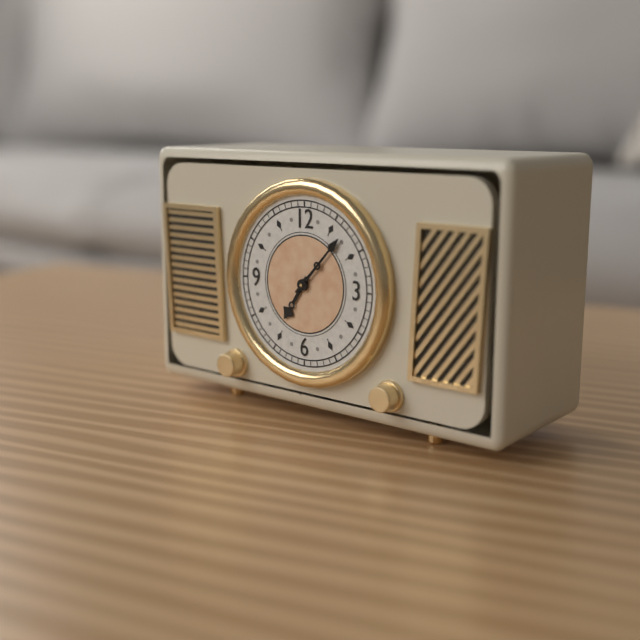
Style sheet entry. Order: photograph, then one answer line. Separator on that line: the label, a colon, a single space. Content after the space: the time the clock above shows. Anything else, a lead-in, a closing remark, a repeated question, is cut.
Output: 7:07
